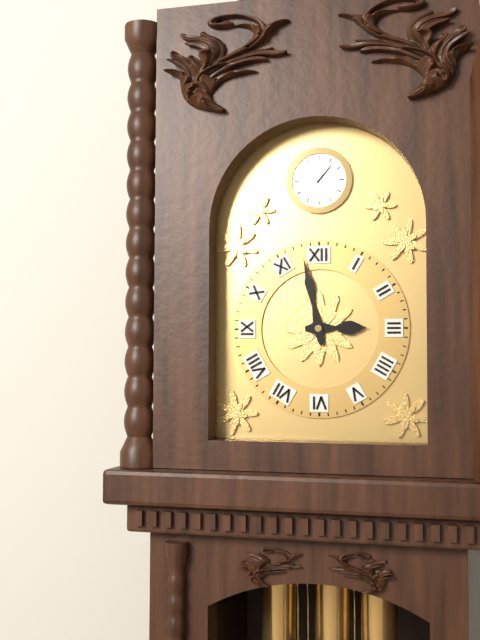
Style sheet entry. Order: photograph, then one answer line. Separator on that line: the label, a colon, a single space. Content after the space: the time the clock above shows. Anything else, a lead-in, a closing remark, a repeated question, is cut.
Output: 2:58
